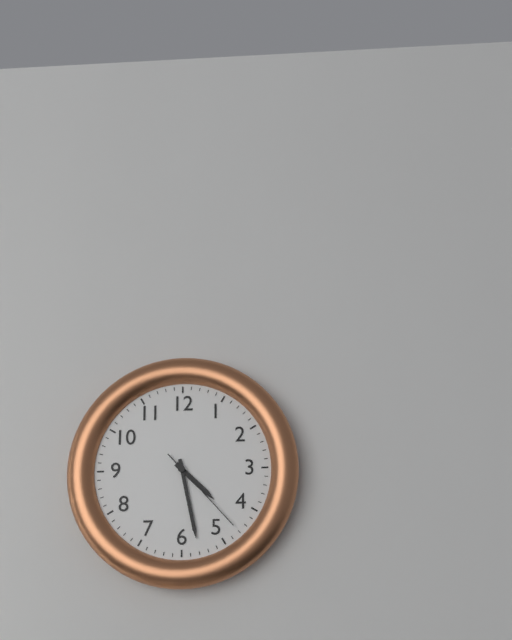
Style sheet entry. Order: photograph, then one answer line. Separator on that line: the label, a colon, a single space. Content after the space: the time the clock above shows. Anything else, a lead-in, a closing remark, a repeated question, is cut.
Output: 4:28:23
